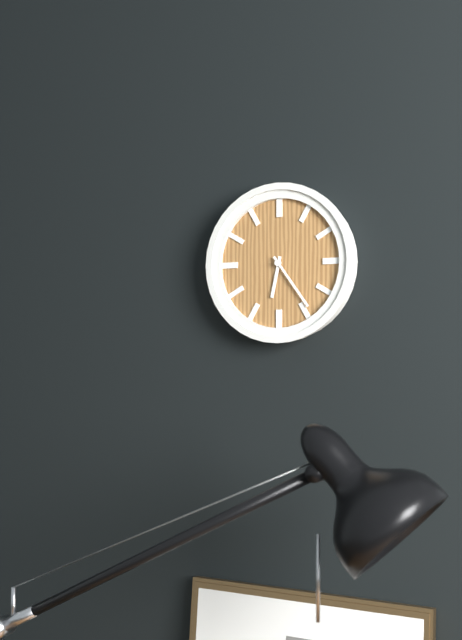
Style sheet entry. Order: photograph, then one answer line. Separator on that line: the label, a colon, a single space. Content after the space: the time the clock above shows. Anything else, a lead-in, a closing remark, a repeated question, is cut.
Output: 6:24
